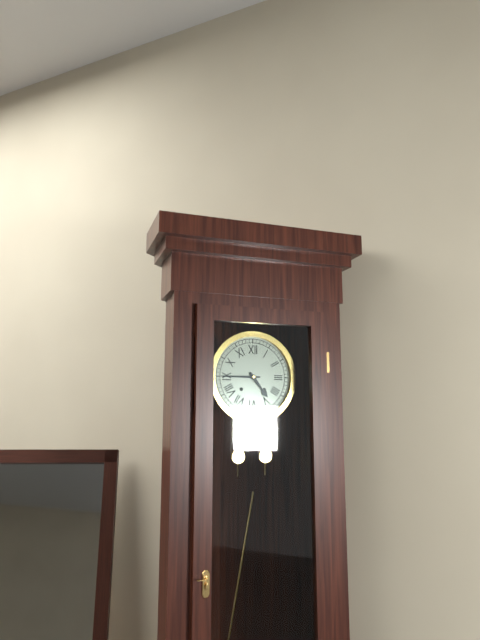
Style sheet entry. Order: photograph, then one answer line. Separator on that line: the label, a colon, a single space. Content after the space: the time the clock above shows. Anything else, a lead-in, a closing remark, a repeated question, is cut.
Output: 4:45
